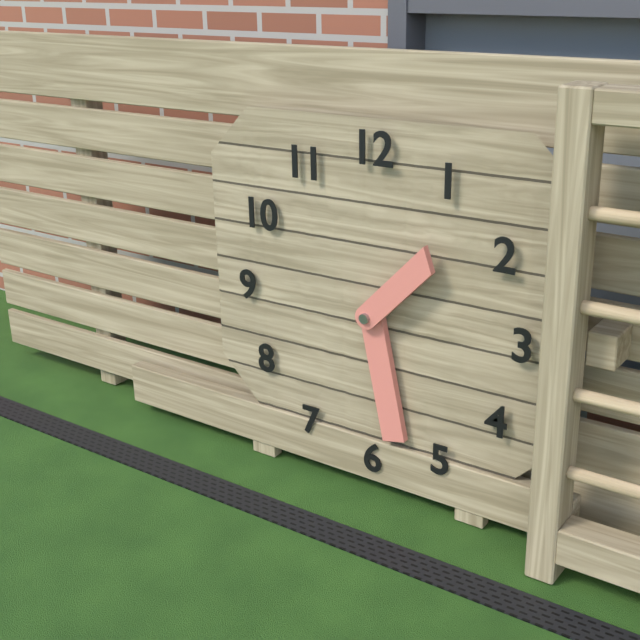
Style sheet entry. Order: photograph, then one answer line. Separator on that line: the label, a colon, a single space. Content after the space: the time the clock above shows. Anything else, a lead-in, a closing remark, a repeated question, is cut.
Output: 1:28
